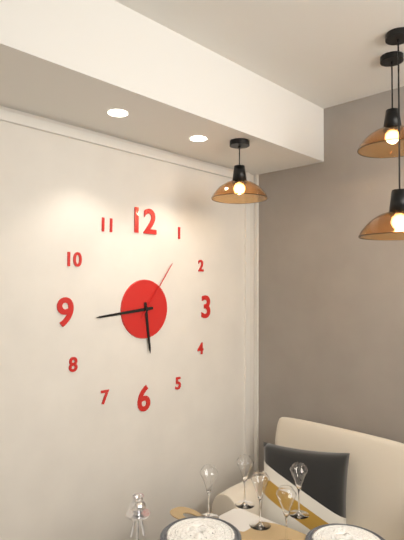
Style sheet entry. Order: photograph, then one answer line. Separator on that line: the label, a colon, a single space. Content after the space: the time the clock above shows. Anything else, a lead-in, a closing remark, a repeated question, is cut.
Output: 5:44:06
